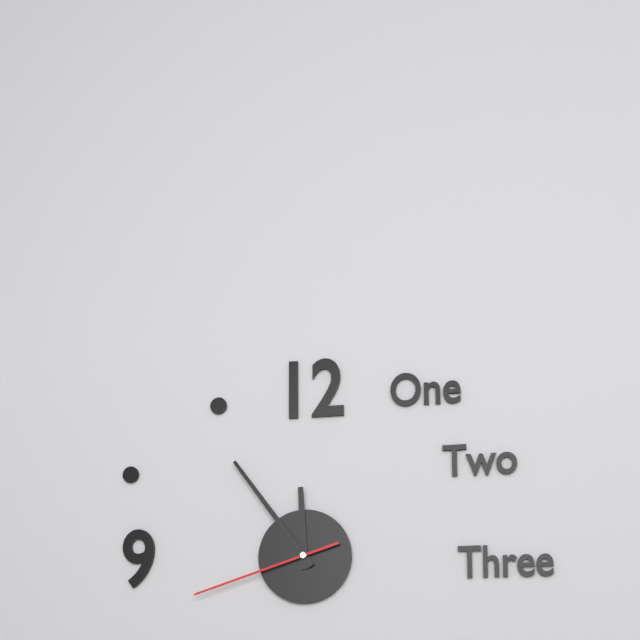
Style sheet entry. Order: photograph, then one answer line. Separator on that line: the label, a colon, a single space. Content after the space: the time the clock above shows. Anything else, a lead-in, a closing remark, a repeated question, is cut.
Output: 11:54:42
